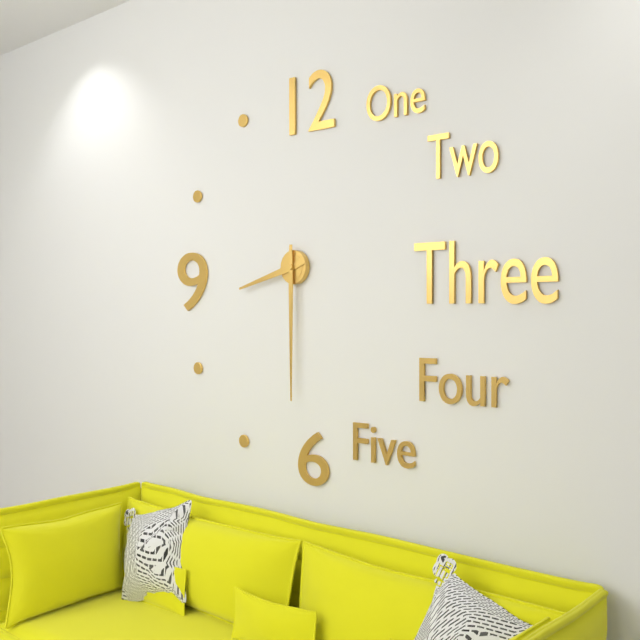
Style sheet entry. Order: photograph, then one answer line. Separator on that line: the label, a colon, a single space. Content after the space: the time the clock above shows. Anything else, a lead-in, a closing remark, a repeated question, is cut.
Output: 8:30
